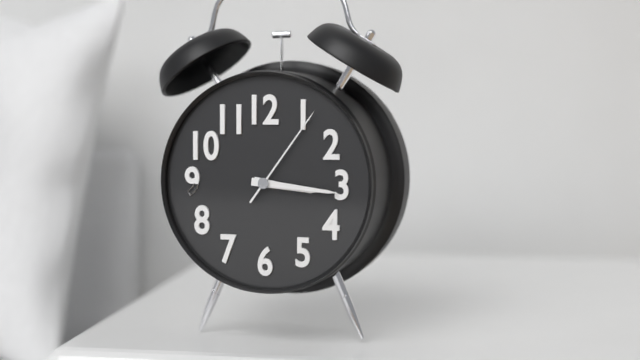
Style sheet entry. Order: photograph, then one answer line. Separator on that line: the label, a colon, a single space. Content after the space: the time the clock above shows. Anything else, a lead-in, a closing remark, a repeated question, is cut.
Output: 3:16:06
